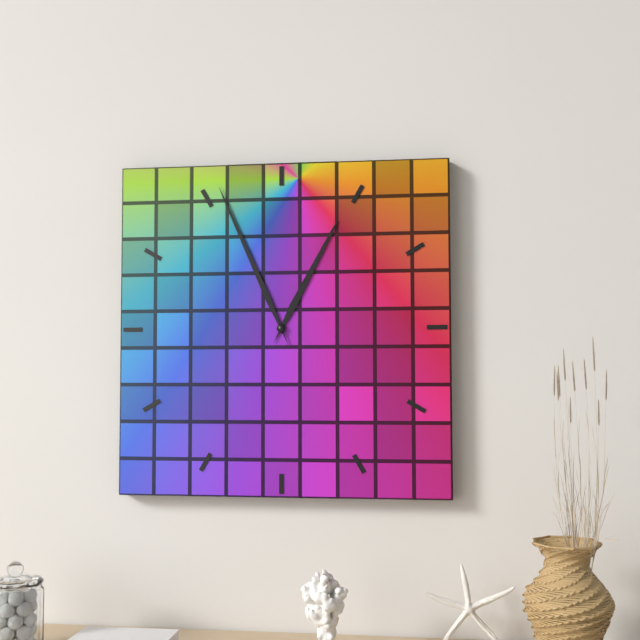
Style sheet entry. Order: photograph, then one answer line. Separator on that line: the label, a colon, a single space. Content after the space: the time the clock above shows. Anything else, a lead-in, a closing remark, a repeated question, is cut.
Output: 12:56
